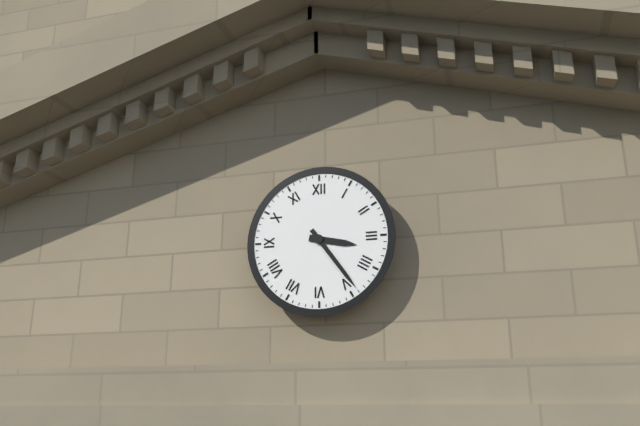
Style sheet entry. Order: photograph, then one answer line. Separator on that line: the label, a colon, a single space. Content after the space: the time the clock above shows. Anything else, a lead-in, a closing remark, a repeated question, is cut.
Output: 3:24
